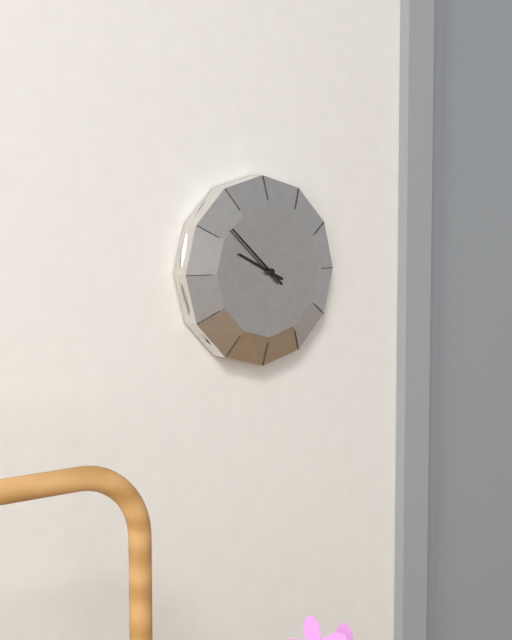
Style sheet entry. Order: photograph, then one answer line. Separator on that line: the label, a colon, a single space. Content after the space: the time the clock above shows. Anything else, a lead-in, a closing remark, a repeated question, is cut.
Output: 9:52
